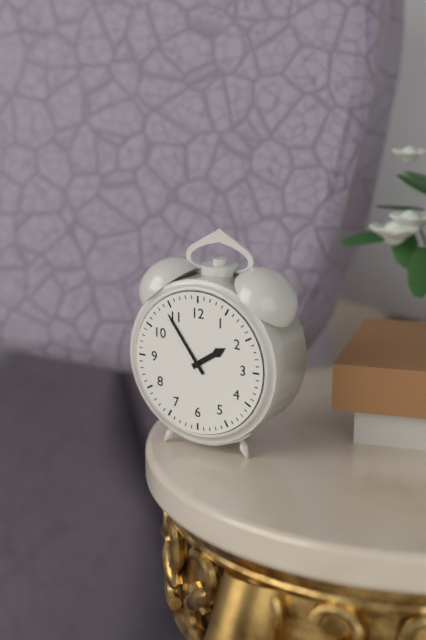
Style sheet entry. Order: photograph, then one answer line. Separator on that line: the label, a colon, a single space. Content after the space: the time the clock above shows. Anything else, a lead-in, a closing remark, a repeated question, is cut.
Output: 1:54
